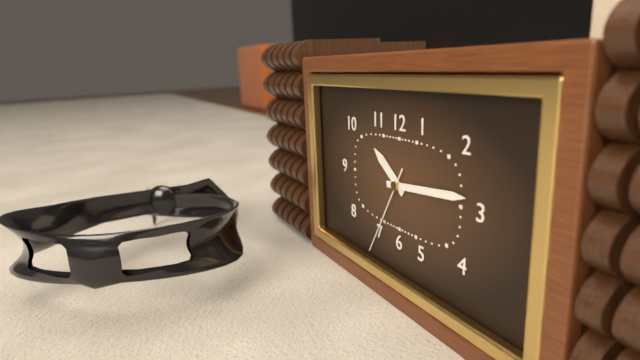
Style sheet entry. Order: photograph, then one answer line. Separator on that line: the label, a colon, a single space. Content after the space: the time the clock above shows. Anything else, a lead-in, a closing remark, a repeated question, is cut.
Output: 10:14:35
